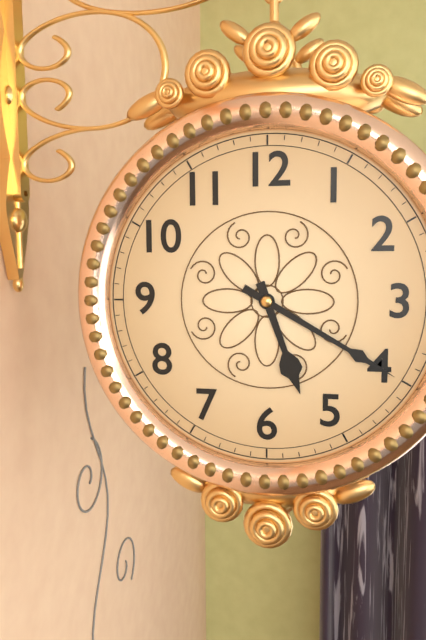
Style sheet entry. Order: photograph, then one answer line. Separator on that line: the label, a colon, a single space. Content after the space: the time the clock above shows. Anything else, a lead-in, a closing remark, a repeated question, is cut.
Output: 5:20
